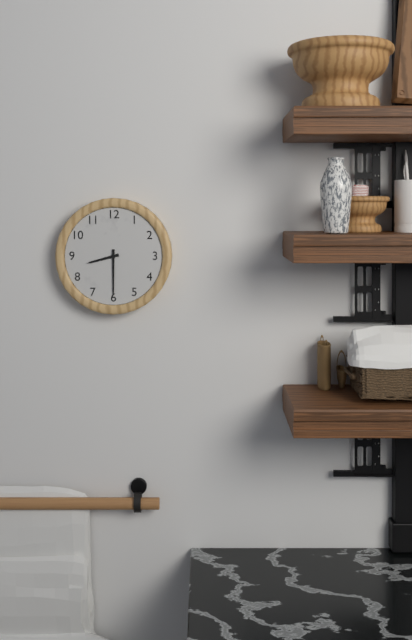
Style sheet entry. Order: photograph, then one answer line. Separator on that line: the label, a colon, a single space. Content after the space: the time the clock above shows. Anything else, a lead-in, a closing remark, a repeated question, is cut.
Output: 8:30
